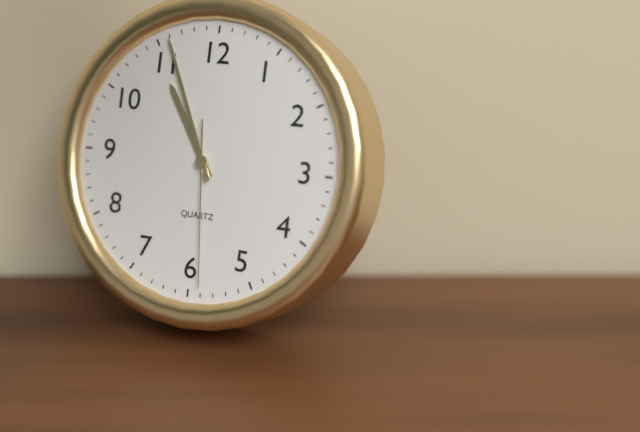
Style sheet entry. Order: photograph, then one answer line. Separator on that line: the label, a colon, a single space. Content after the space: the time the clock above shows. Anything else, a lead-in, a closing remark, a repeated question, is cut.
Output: 10:56:29
